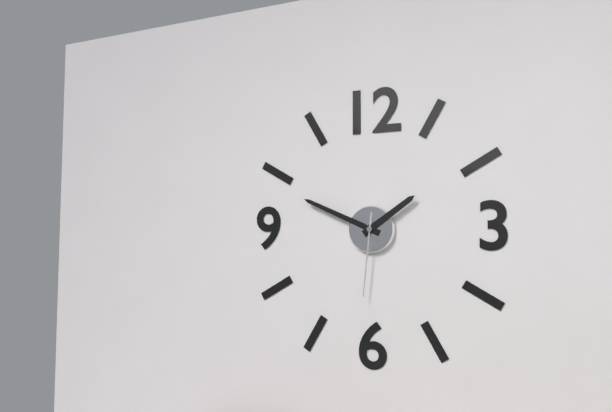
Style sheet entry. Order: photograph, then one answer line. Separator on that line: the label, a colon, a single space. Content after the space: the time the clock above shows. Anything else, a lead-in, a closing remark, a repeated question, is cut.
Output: 1:49:31
